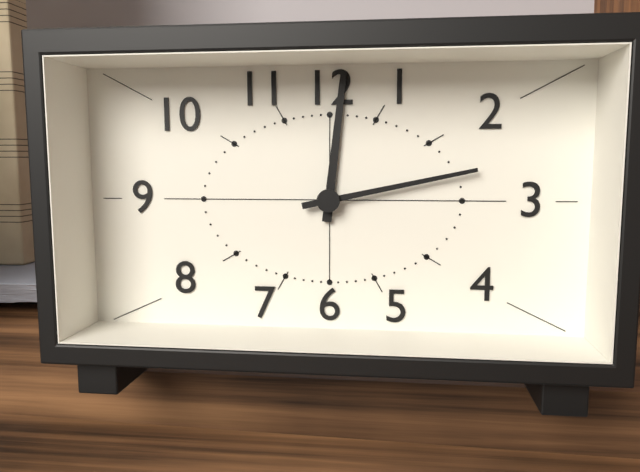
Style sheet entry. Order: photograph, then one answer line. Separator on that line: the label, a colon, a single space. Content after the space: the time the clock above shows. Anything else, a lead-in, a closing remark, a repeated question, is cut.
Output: 12:13
